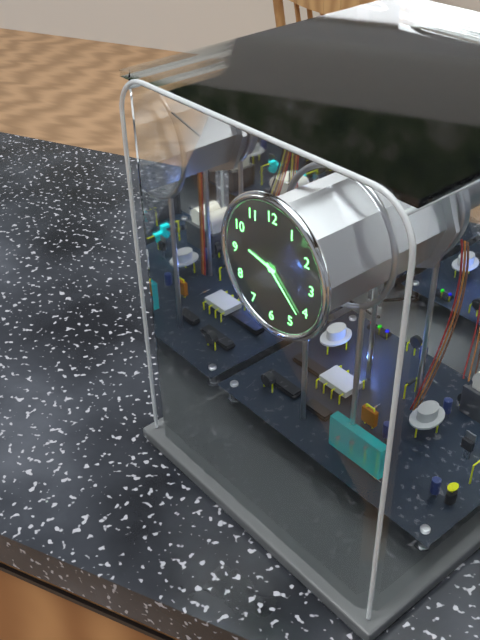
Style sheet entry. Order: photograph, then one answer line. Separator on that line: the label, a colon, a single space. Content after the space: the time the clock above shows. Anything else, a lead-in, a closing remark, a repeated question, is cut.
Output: 9:22
